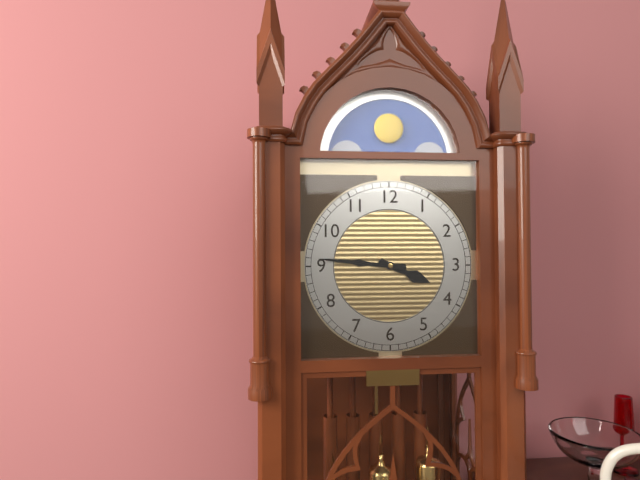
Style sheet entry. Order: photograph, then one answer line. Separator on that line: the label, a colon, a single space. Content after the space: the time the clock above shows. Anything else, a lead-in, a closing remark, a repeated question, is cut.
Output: 3:46
